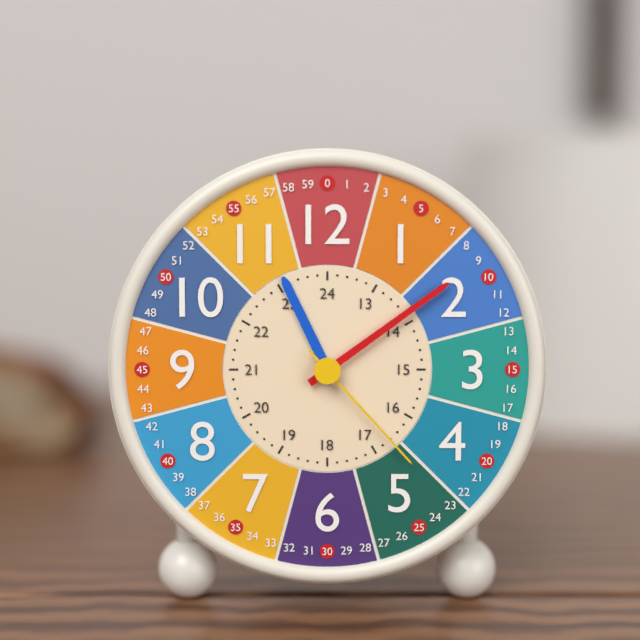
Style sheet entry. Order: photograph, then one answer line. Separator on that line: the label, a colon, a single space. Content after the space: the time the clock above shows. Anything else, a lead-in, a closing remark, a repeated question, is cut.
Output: 11:09:23
